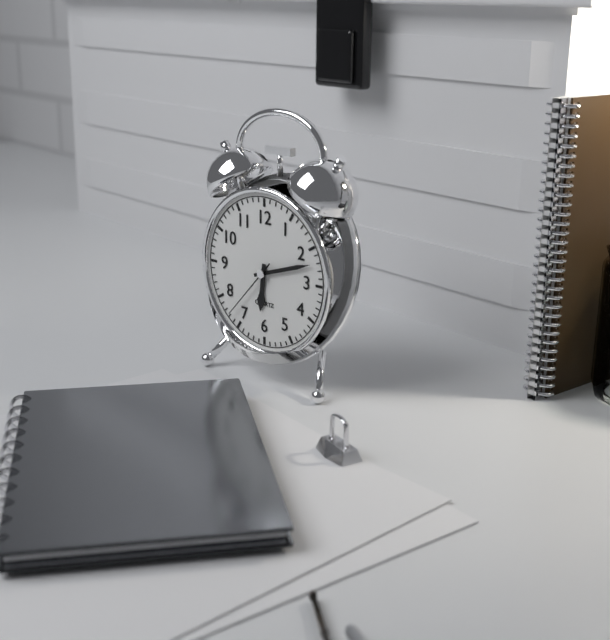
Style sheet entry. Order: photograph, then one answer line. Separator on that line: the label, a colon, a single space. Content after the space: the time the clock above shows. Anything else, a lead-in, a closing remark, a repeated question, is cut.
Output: 6:12:37
